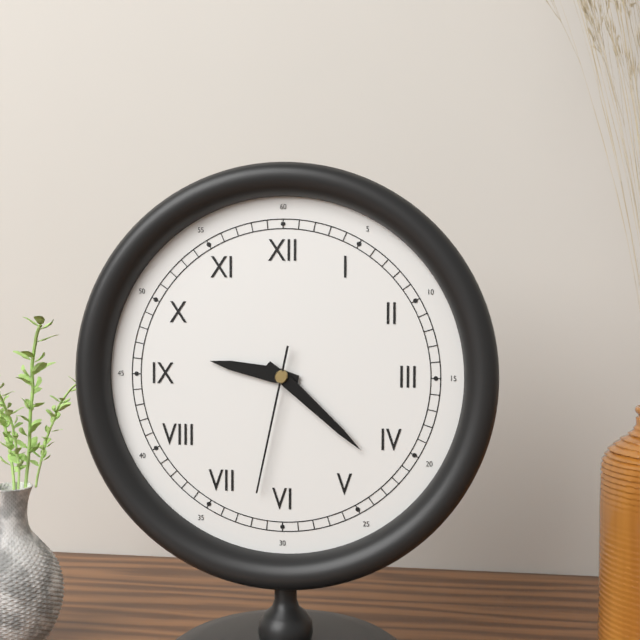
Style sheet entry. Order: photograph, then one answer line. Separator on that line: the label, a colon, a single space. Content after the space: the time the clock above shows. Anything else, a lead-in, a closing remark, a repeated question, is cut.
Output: 9:22:32
